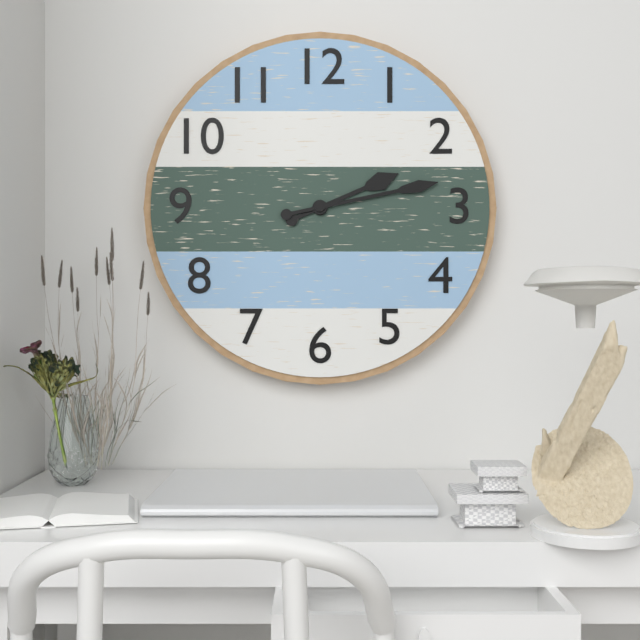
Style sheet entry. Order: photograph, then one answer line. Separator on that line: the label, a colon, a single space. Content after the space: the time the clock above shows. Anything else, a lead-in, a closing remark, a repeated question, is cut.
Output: 2:13
